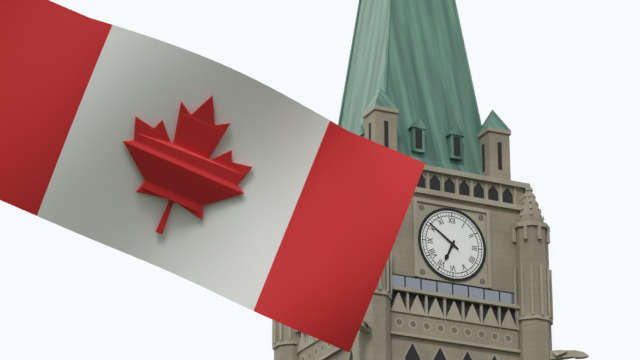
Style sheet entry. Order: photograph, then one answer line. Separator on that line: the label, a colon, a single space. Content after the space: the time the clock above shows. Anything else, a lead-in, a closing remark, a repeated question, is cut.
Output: 6:51
